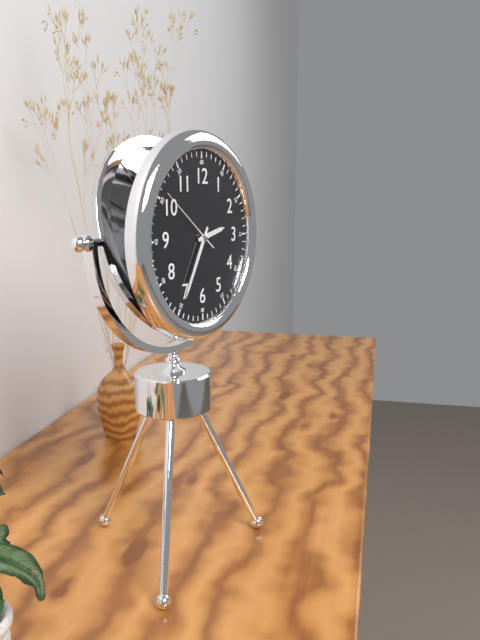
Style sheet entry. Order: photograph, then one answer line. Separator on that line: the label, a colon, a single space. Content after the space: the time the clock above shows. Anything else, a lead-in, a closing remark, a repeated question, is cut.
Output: 2:35:51
